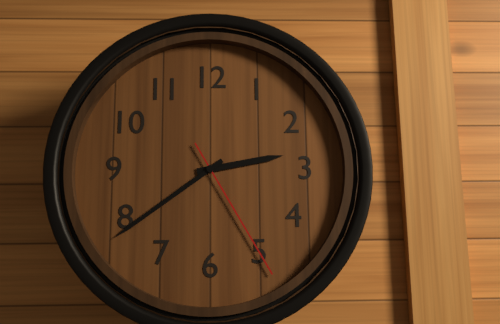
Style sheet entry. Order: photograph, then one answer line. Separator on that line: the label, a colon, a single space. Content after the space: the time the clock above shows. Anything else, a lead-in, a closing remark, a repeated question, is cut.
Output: 2:39:25
